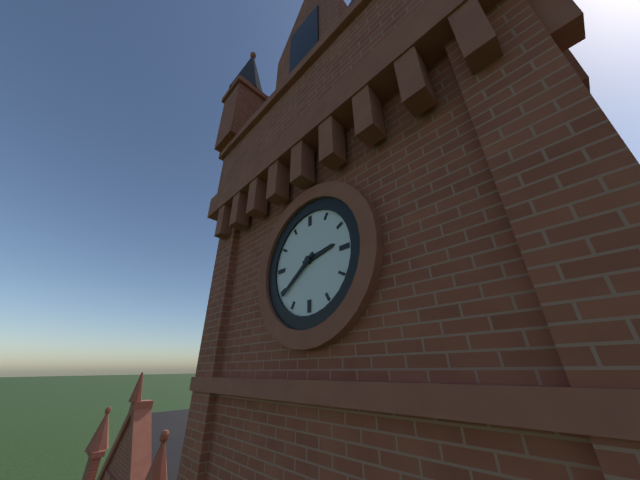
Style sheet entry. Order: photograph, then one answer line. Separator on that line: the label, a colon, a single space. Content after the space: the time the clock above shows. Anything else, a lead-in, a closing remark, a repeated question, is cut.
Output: 2:39
